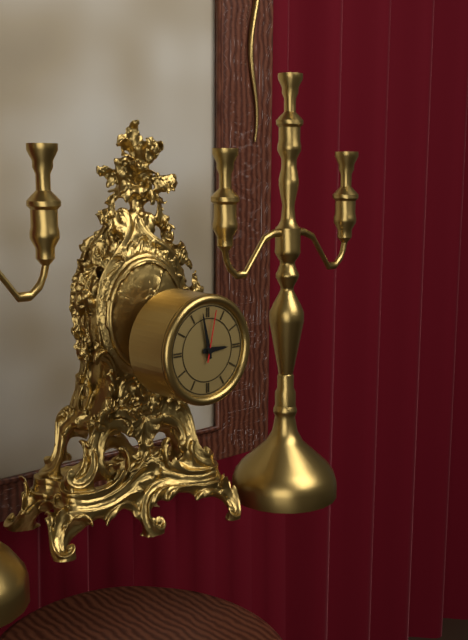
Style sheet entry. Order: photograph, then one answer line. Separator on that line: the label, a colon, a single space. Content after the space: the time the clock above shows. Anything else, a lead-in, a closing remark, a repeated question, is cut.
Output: 2:58:02
